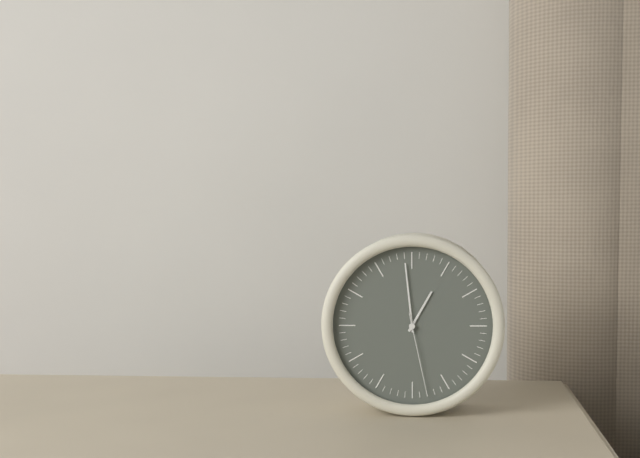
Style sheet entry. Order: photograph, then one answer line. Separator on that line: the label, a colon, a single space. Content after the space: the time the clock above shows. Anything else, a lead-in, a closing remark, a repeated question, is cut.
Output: 12:59:28
